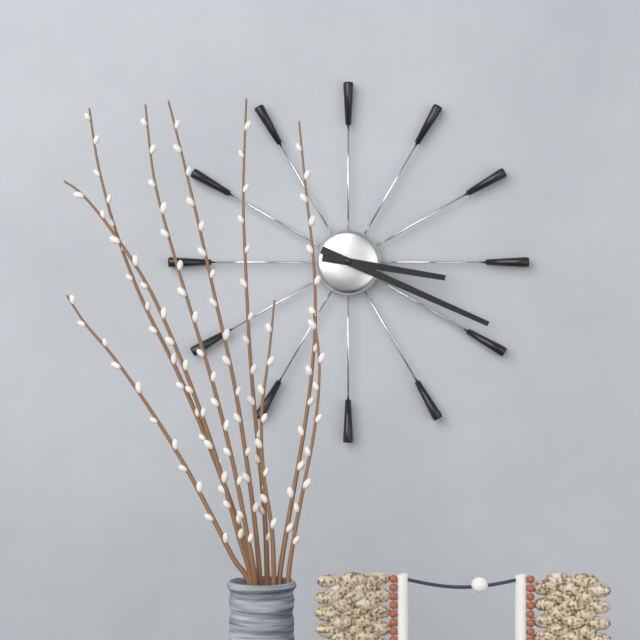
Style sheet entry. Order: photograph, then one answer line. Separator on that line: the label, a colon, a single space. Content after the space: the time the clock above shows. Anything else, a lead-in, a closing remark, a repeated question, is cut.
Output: 3:19
